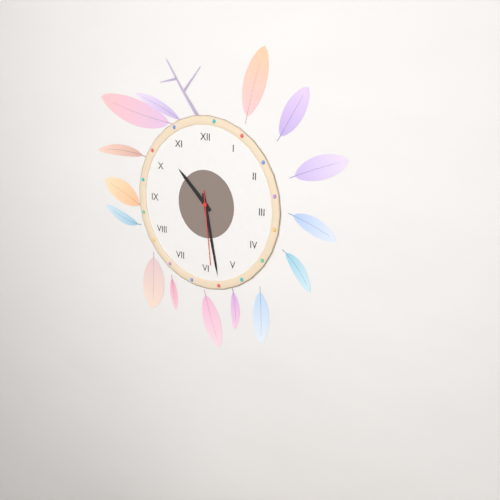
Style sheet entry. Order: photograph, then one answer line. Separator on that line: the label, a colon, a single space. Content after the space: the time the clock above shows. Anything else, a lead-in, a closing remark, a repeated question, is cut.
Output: 10:28:29
